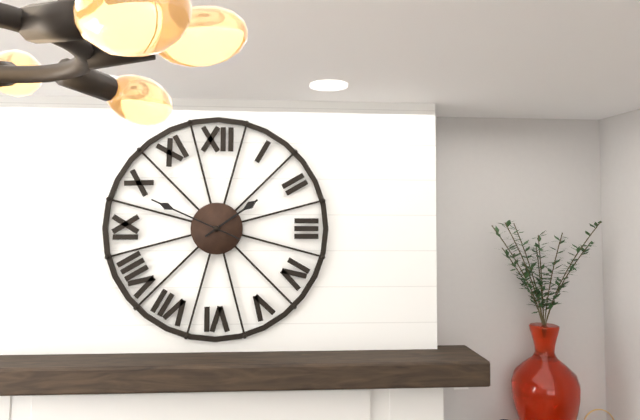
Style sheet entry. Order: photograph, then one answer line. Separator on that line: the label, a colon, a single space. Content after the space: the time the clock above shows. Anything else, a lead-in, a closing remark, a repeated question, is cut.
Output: 1:49
